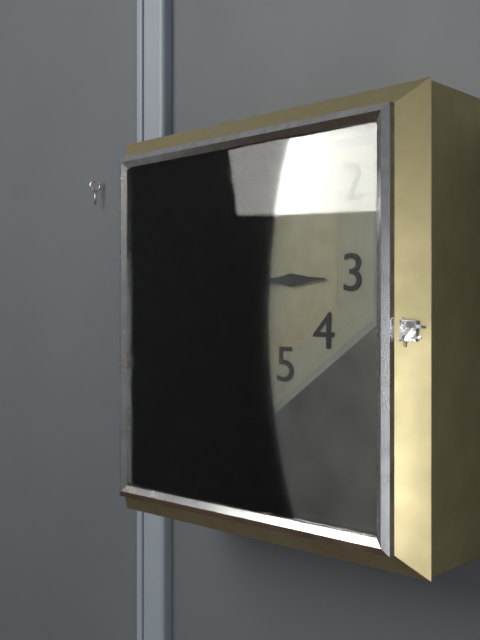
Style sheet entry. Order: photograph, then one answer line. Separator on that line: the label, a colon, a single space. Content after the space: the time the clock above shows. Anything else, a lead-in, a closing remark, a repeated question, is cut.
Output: 8:15
